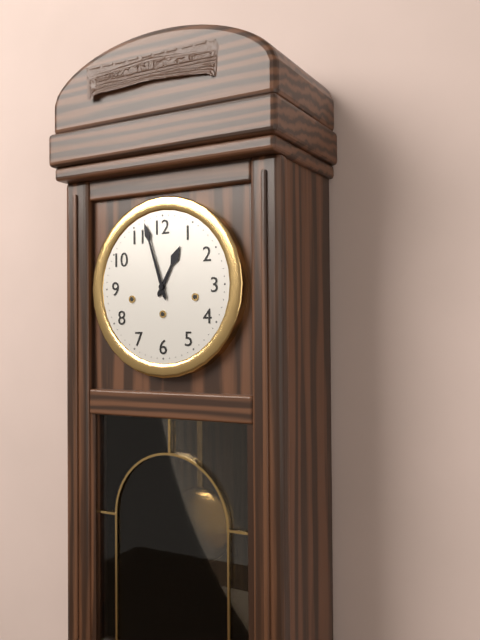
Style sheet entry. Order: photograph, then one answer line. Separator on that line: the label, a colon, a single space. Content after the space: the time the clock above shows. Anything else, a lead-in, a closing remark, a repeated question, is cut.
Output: 12:57
